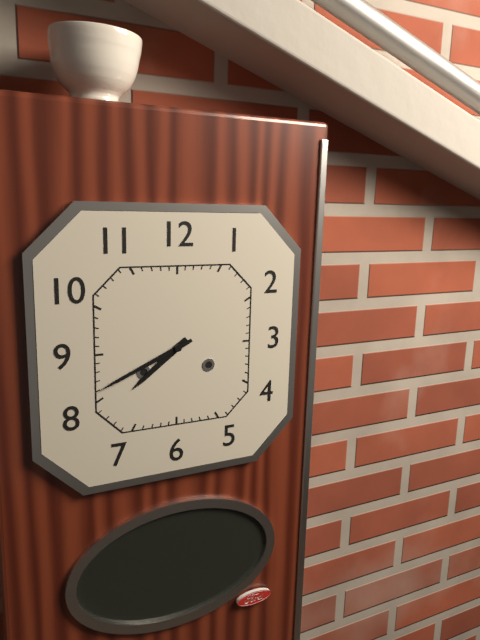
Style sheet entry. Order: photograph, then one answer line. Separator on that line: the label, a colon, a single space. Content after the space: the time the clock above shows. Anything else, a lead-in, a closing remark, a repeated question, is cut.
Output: 7:41
